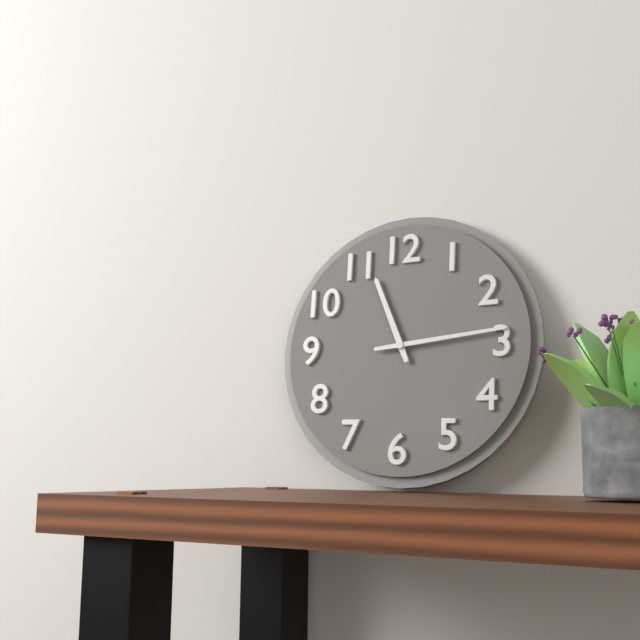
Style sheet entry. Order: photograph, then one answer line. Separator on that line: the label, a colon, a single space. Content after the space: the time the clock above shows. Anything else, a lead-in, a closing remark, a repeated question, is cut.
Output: 11:14
